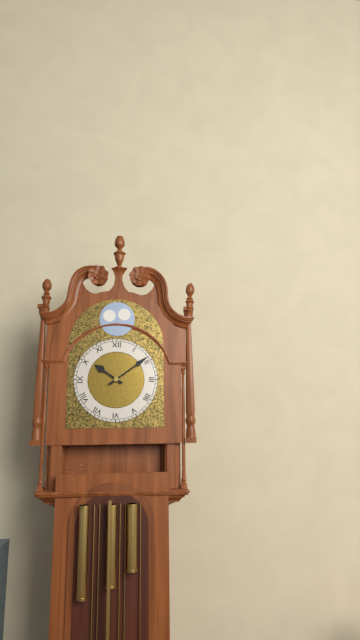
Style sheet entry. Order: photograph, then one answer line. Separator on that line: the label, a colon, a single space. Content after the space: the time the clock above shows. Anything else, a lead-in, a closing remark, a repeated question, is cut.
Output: 10:09
